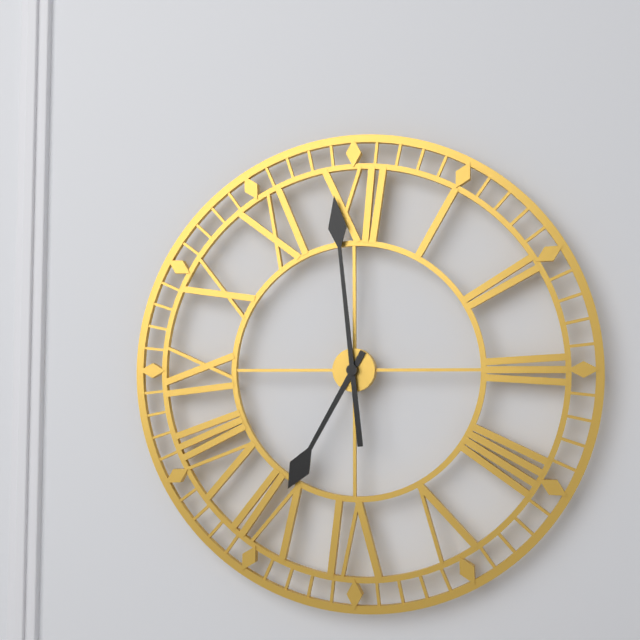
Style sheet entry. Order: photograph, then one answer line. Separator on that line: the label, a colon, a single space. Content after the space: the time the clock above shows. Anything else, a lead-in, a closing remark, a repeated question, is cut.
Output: 6:59
